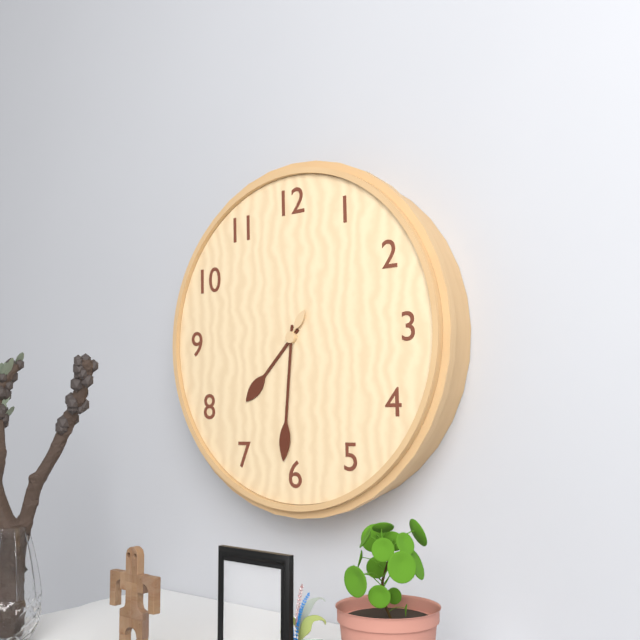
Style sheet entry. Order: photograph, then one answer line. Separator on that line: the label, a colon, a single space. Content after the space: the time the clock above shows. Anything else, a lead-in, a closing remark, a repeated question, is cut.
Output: 7:31
